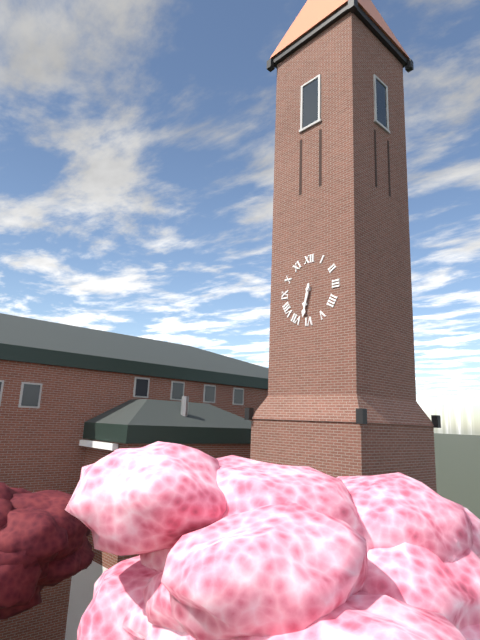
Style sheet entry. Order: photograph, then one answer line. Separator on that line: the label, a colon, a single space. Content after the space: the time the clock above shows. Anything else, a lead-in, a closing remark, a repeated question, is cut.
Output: 6:32
